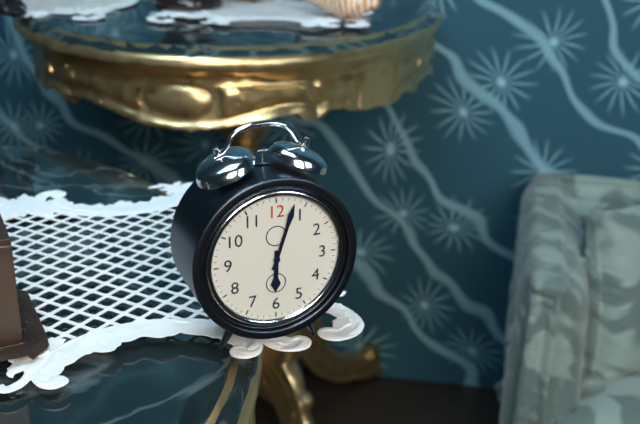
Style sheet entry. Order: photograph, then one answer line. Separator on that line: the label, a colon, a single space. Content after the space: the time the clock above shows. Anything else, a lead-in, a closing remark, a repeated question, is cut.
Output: 6:03
